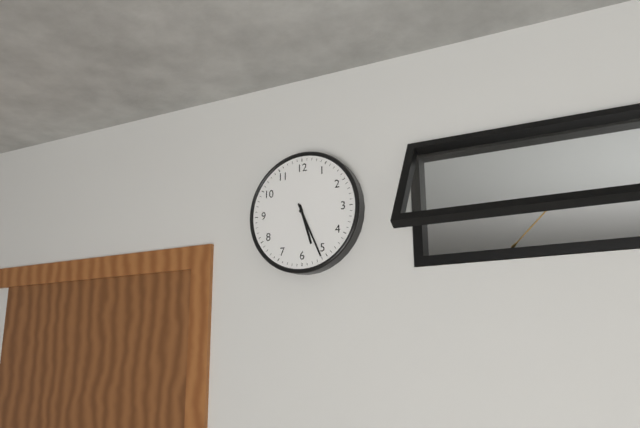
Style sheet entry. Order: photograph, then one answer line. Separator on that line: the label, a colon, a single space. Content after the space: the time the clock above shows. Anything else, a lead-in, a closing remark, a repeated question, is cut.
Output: 5:26
